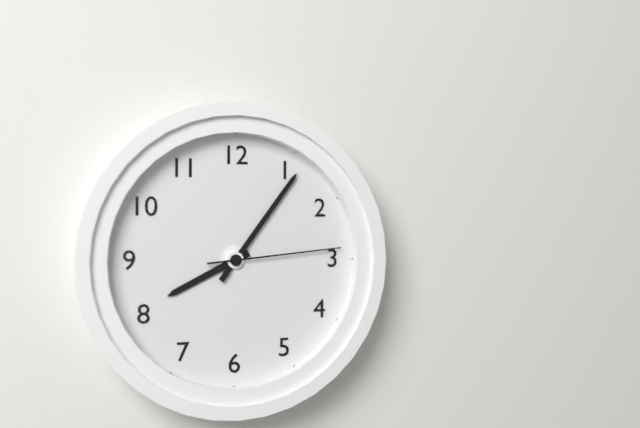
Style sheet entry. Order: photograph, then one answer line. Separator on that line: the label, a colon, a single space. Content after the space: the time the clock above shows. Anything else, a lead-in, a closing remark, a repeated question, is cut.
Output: 8:06:14
